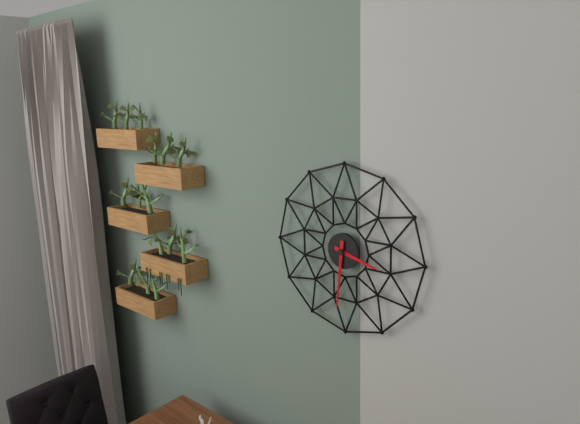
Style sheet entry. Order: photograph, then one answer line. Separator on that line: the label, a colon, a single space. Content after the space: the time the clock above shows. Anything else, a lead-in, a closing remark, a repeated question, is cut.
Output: 3:31
